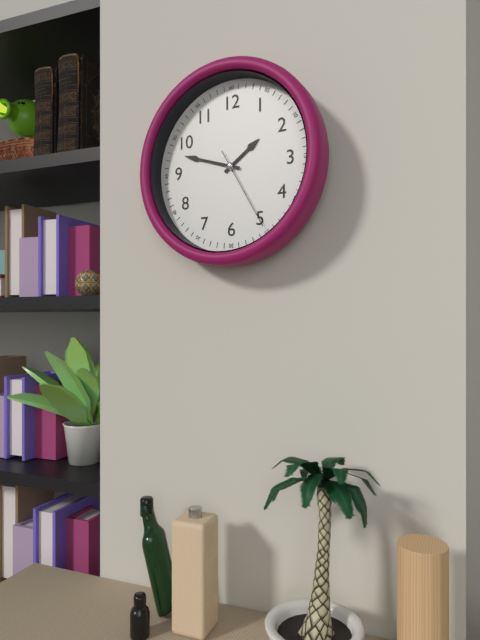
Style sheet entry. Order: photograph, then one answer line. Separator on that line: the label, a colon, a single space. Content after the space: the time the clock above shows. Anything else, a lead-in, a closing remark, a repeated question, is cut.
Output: 1:48:25
